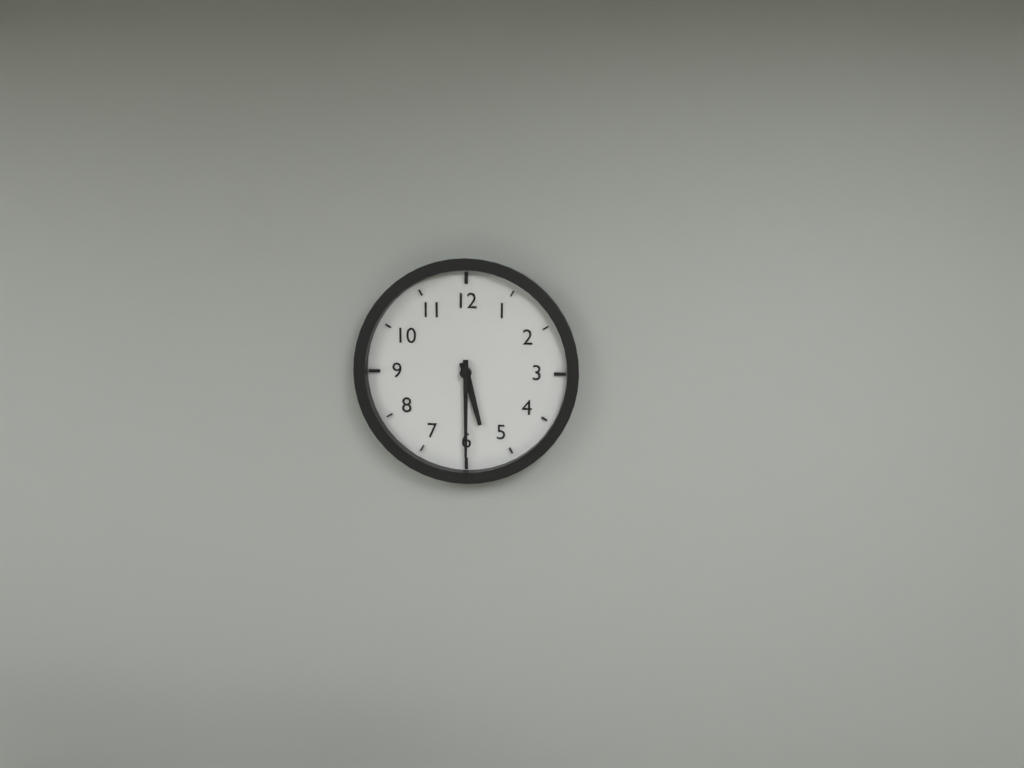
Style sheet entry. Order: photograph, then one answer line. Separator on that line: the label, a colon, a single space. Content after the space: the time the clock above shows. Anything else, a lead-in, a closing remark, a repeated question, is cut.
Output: 5:30
